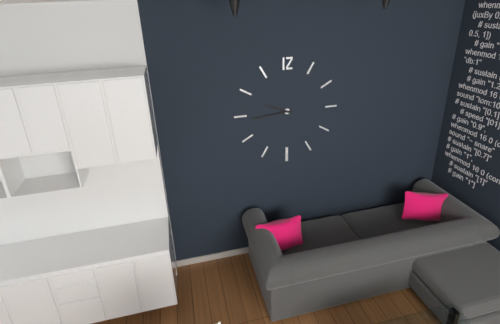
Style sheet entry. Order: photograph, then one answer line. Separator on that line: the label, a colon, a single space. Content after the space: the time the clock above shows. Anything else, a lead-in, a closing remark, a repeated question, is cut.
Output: 9:44
